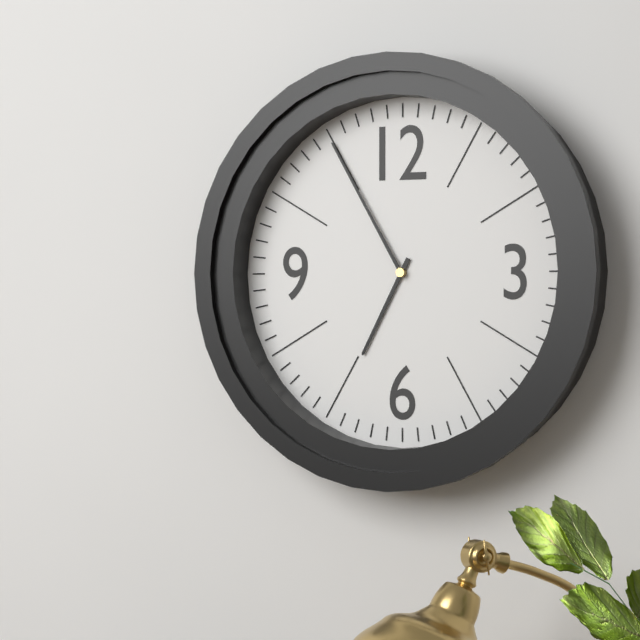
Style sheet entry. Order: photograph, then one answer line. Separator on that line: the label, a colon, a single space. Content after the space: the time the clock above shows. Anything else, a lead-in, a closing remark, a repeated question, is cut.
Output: 6:55
